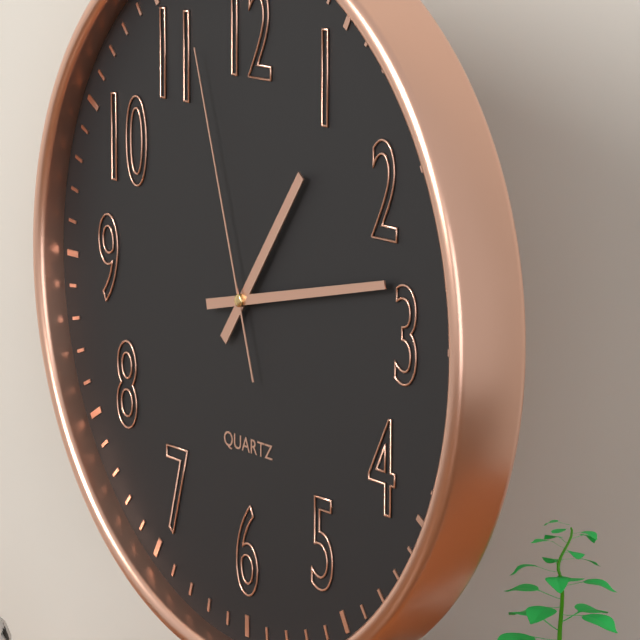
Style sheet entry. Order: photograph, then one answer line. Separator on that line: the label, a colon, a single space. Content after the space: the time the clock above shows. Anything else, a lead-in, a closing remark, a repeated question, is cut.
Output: 1:13:57
